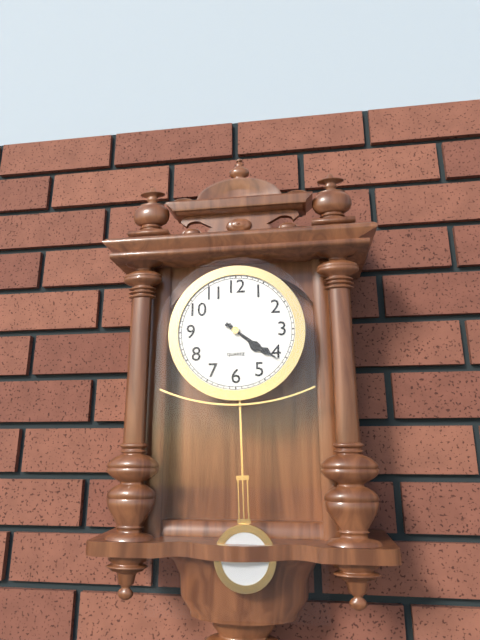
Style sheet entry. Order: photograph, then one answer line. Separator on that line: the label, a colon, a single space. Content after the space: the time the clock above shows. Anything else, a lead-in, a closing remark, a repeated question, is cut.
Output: 4:21
